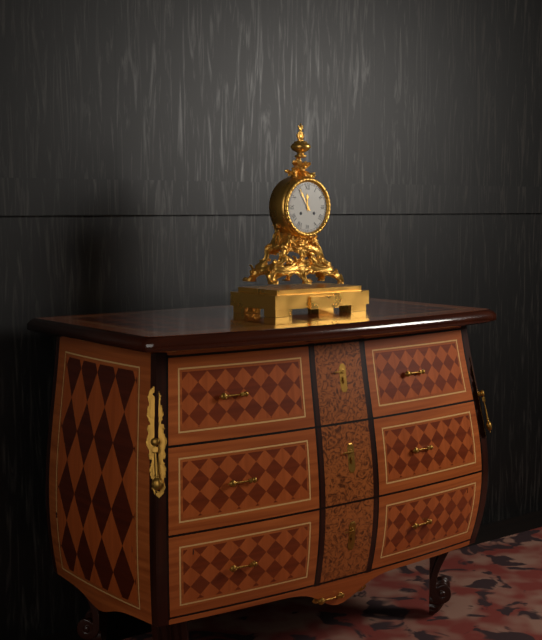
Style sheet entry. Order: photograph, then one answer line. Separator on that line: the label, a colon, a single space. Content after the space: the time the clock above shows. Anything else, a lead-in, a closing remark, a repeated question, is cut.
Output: 11:55
